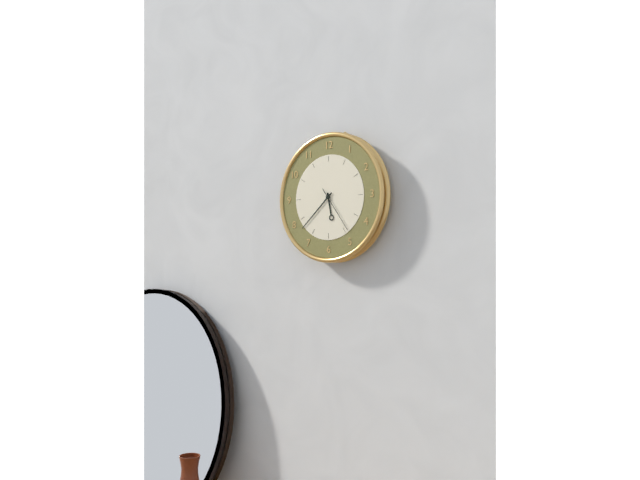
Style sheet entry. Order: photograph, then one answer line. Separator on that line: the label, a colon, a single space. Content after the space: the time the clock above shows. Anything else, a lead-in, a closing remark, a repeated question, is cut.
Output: 5:38
